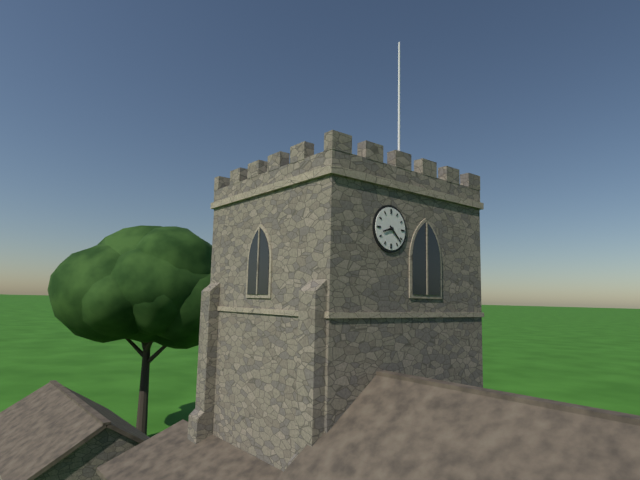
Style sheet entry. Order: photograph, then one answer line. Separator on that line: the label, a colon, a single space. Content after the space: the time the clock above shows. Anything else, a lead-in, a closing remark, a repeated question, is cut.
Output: 8:22
